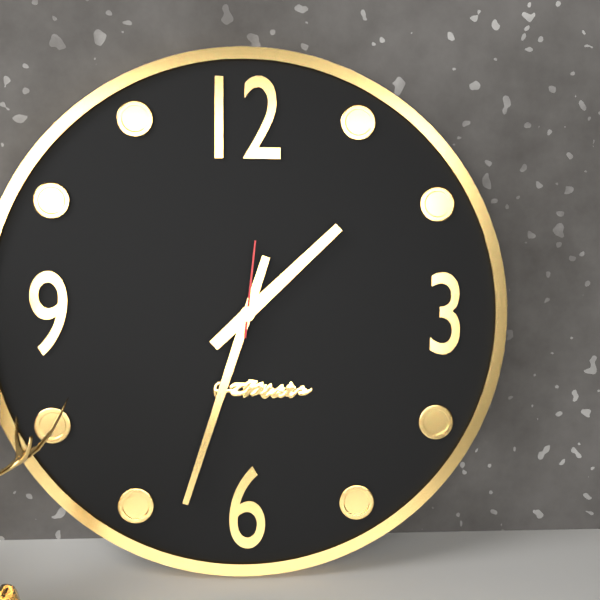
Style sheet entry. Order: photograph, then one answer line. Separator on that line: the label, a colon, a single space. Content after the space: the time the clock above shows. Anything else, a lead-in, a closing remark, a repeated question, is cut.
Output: 1:33:01
